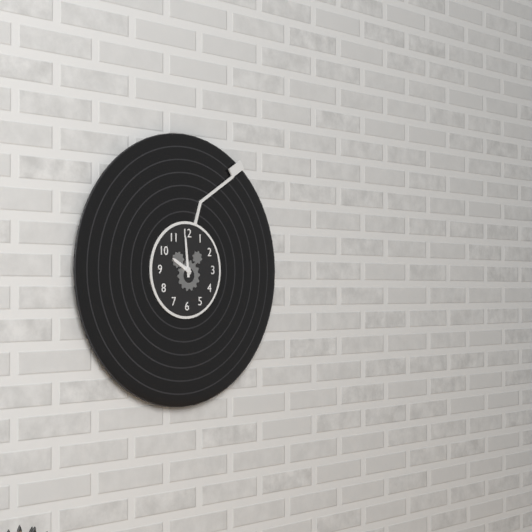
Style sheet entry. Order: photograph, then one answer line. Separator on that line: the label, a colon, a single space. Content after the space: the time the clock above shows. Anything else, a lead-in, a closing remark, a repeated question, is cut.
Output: 9:59
